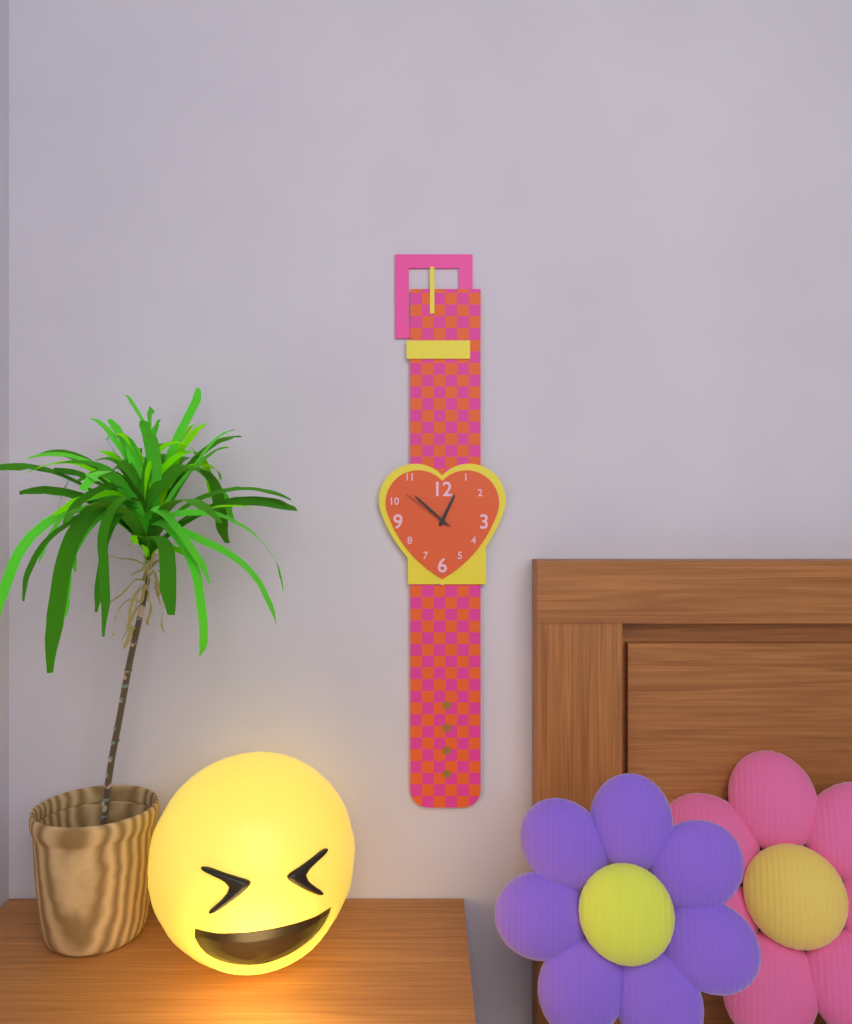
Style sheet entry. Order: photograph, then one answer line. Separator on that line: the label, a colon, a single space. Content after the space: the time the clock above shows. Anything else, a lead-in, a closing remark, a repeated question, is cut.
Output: 12:52:51
